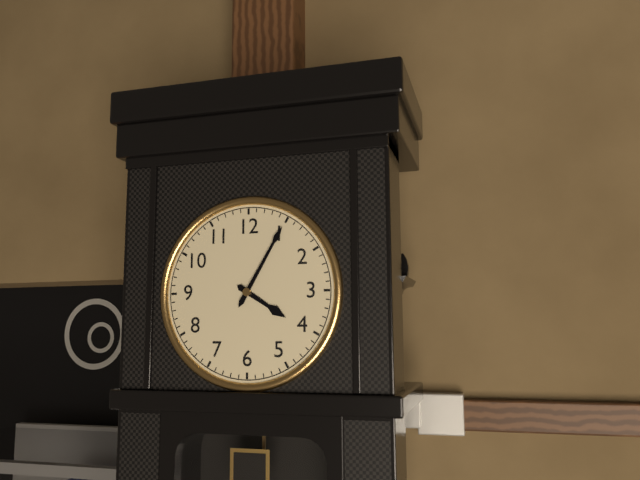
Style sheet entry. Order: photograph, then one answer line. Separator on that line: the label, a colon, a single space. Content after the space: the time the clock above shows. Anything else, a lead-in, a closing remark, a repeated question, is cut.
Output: 4:05
